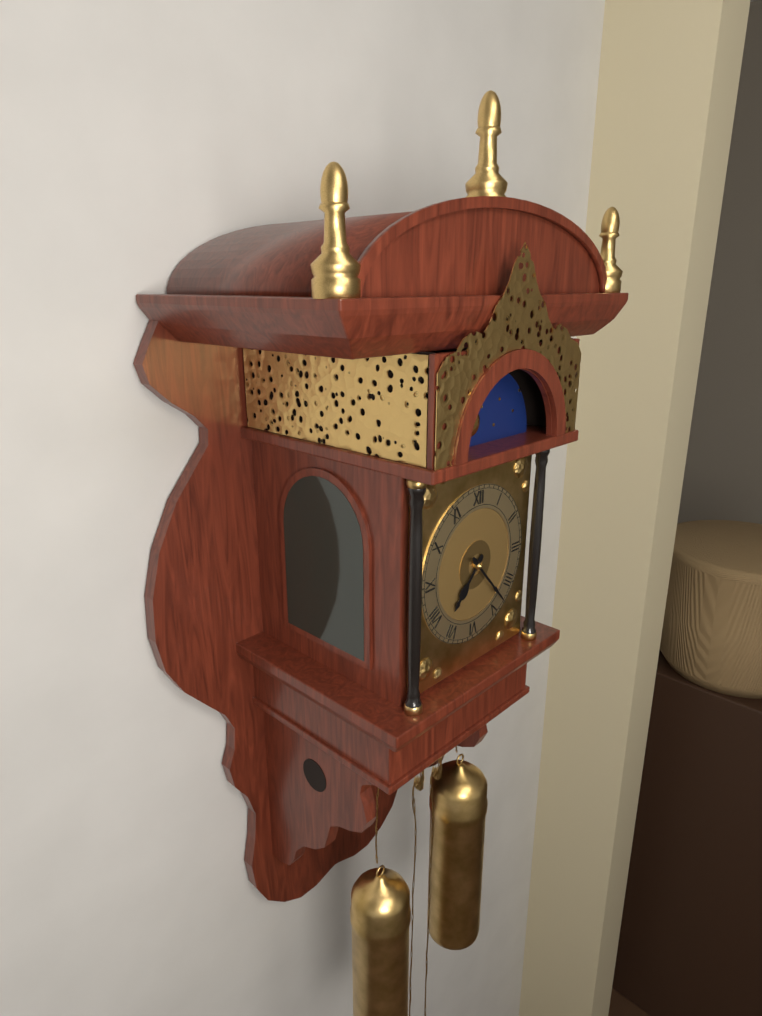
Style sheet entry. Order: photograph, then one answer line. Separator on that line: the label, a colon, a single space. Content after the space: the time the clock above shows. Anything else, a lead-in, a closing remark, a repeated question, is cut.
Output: 7:23
